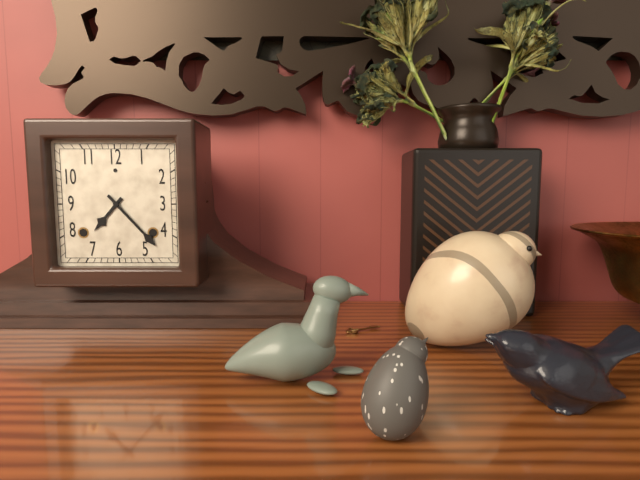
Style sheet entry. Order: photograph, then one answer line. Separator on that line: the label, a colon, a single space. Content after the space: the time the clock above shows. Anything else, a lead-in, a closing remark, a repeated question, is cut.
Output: 7:23
